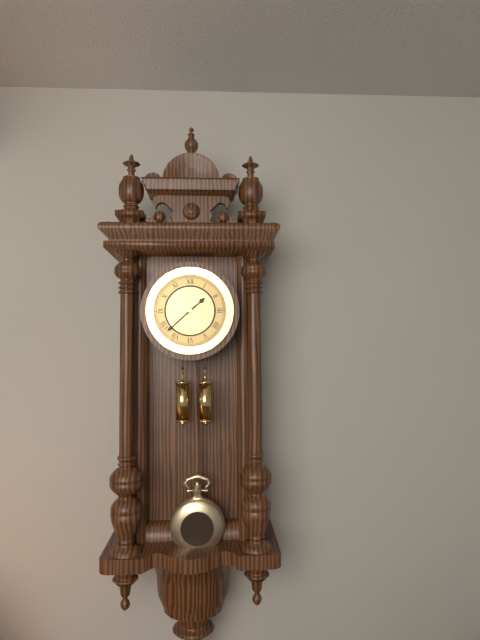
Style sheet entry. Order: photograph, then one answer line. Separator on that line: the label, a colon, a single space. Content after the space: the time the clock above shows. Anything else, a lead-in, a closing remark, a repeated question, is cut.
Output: 1:38
